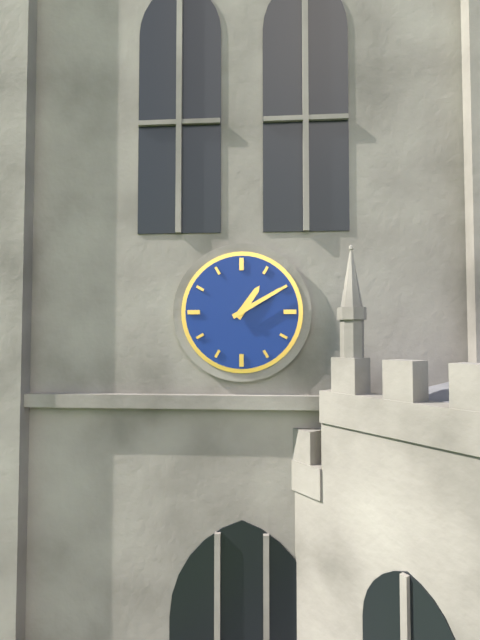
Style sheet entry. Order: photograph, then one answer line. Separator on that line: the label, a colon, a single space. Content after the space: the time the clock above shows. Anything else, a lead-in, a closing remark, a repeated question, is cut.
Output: 1:10
